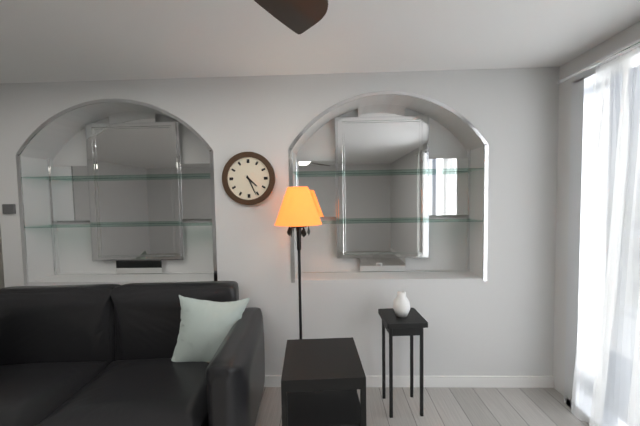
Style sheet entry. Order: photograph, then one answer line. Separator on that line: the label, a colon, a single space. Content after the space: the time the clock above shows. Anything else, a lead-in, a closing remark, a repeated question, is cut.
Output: 4:26
